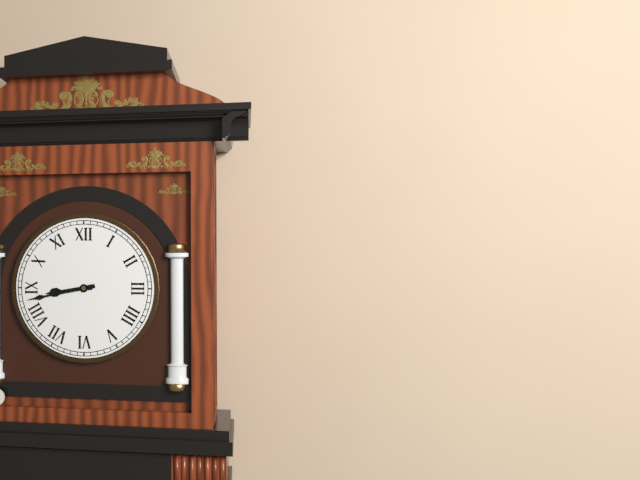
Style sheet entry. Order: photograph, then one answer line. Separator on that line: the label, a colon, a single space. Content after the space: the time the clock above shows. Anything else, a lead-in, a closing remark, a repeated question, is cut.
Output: 8:43
